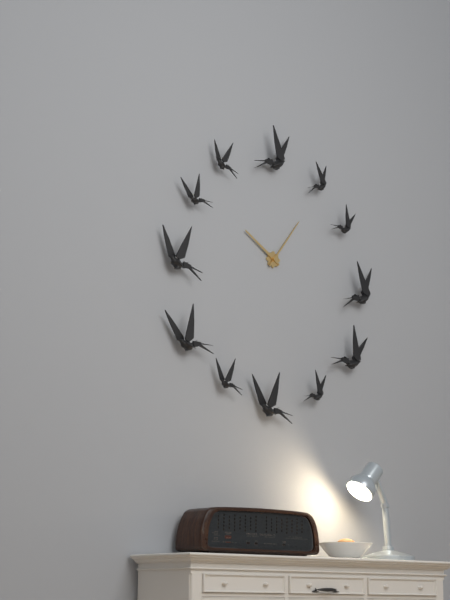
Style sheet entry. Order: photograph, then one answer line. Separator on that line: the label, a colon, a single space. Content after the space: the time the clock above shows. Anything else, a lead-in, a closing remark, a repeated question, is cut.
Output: 10:06
